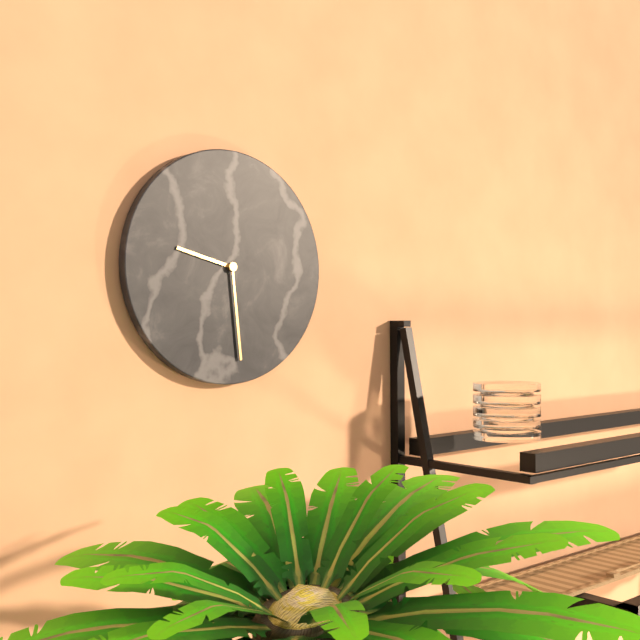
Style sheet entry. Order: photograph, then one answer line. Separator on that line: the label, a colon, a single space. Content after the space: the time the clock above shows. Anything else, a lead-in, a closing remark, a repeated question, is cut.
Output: 9:29
